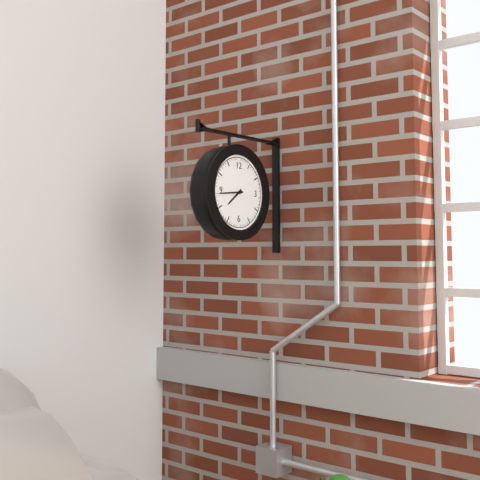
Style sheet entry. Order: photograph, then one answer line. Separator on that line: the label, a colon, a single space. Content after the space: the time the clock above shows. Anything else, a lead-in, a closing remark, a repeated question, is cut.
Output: 7:44
